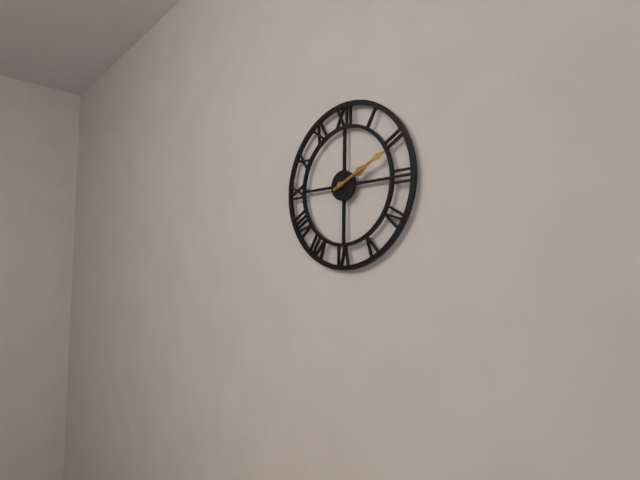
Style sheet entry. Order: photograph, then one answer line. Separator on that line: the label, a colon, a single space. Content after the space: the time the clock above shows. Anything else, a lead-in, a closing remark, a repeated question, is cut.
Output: 2:11
